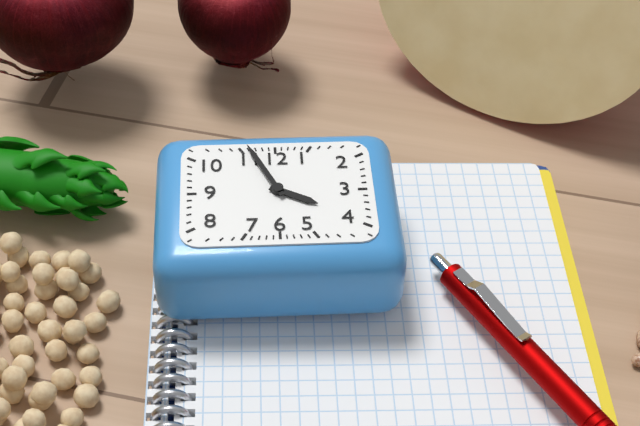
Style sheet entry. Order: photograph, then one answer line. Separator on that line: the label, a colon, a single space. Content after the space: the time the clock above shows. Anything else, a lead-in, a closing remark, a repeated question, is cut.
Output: 3:56
